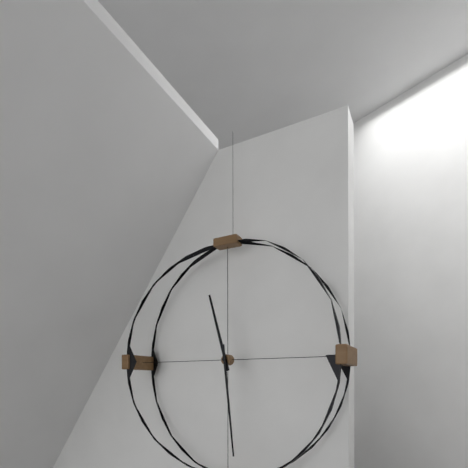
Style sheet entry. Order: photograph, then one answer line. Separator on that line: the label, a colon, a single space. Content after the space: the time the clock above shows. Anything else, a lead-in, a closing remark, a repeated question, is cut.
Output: 11:29
